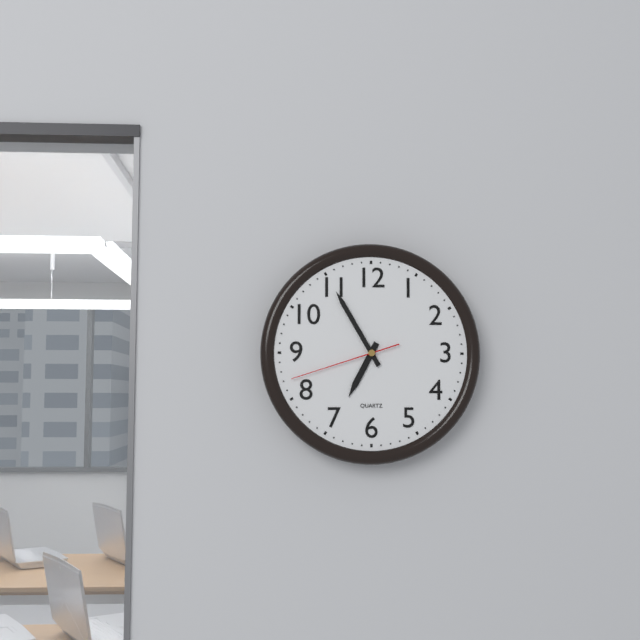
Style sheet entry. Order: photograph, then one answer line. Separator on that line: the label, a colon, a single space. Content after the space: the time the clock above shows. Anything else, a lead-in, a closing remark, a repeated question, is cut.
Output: 6:55:42
